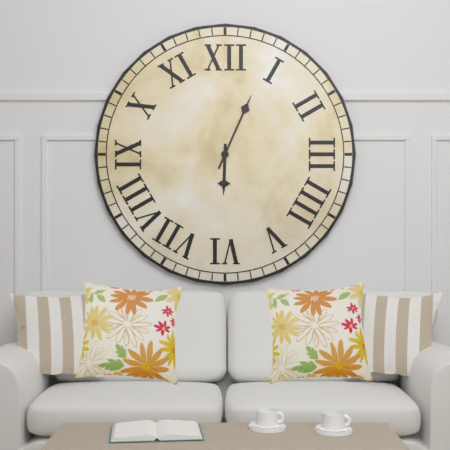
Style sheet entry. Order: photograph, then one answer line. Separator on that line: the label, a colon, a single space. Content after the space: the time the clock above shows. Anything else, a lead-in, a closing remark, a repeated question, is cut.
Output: 6:04
